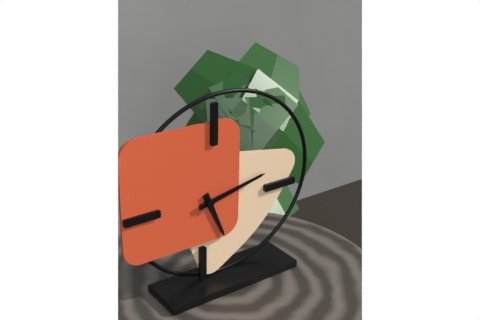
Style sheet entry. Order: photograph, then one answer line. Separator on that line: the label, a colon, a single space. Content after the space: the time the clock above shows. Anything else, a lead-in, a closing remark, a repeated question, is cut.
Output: 5:13
